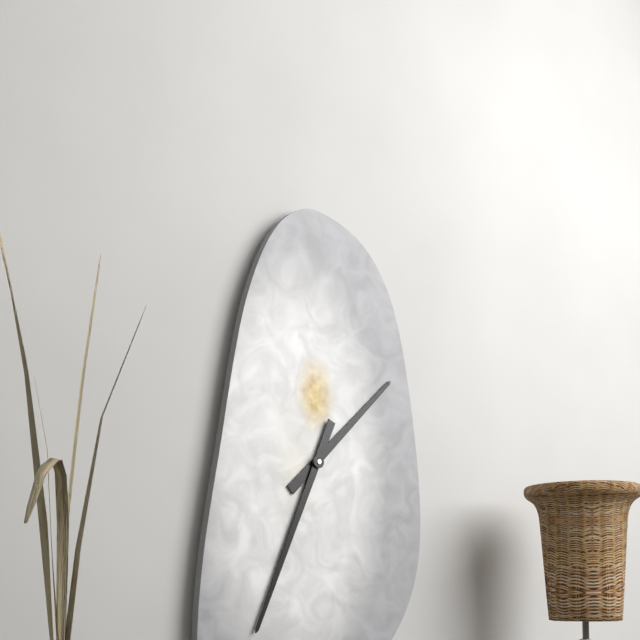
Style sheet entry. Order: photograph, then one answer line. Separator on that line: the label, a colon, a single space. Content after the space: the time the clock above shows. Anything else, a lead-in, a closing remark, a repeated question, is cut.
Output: 1:34
